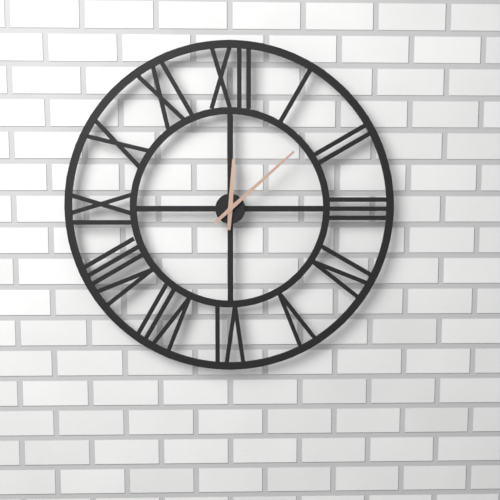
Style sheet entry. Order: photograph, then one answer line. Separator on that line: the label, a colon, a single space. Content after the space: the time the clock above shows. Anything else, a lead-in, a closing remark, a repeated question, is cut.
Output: 12:08
